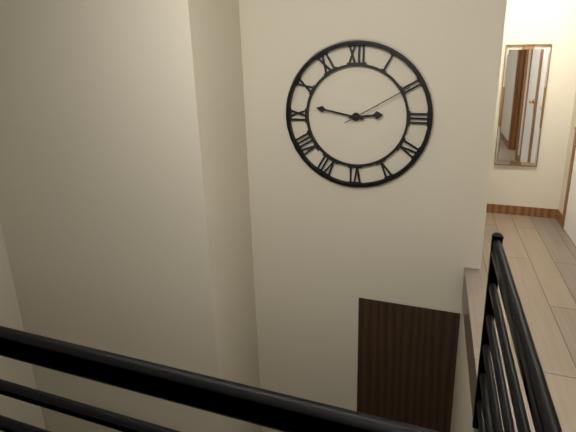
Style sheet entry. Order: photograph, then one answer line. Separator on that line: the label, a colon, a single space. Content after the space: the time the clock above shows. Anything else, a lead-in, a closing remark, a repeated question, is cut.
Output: 2:47:10
